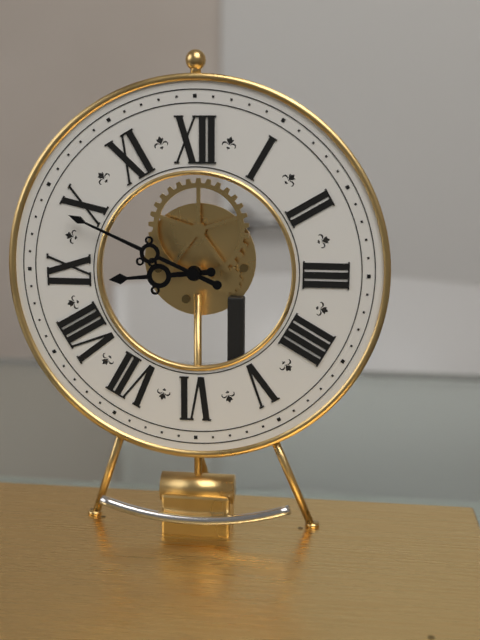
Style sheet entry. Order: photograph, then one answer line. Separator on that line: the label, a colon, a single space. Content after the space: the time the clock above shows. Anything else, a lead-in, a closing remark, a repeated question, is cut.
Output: 8:49
